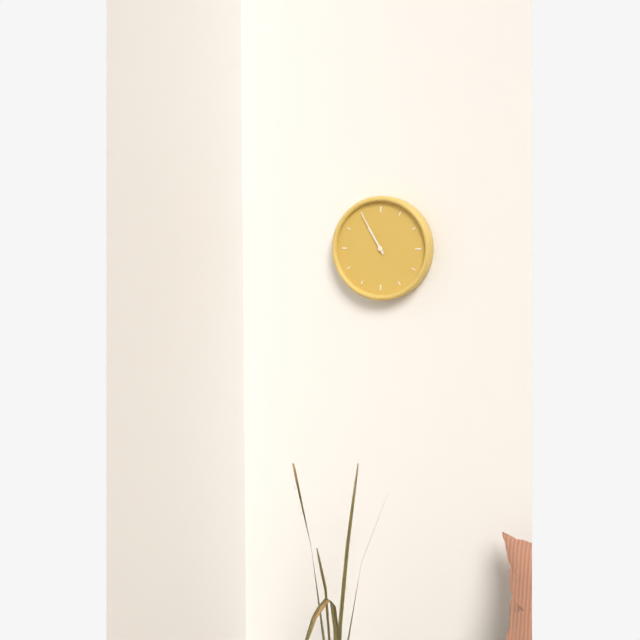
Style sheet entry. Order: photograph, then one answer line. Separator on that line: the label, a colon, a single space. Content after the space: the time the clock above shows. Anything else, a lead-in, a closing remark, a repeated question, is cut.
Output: 10:55
